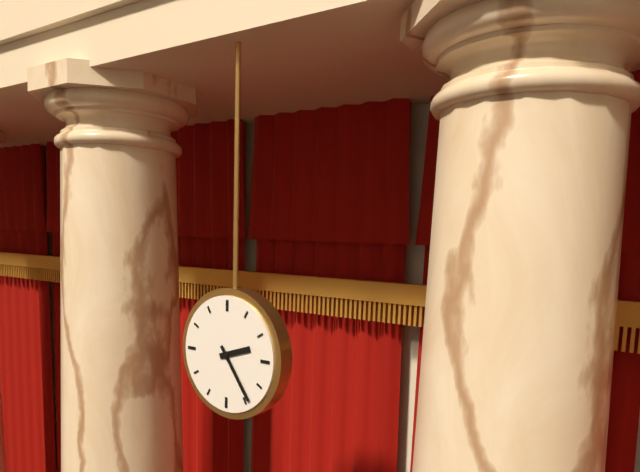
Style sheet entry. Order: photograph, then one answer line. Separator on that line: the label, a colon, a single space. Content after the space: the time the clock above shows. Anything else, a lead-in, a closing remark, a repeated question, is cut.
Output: 2:24
